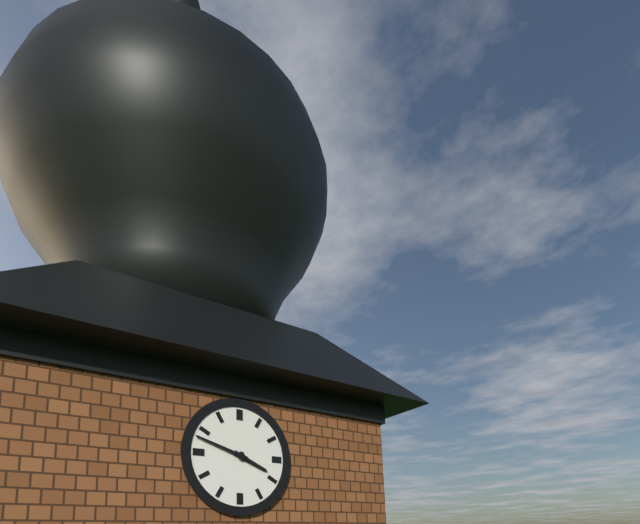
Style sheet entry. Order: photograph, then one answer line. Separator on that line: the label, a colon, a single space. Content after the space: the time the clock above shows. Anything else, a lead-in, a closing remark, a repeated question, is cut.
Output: 3:48
